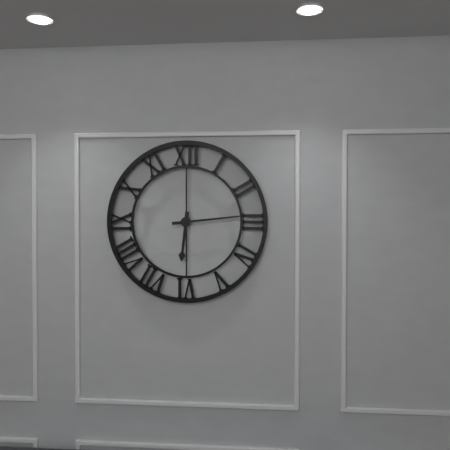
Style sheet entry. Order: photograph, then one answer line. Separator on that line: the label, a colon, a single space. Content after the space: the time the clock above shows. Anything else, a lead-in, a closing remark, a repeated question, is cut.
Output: 6:14
